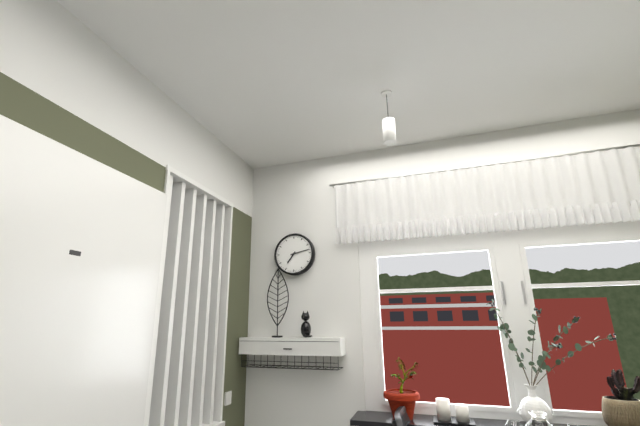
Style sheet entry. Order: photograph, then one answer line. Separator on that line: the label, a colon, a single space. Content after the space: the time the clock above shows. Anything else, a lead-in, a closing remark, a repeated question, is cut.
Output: 7:13
